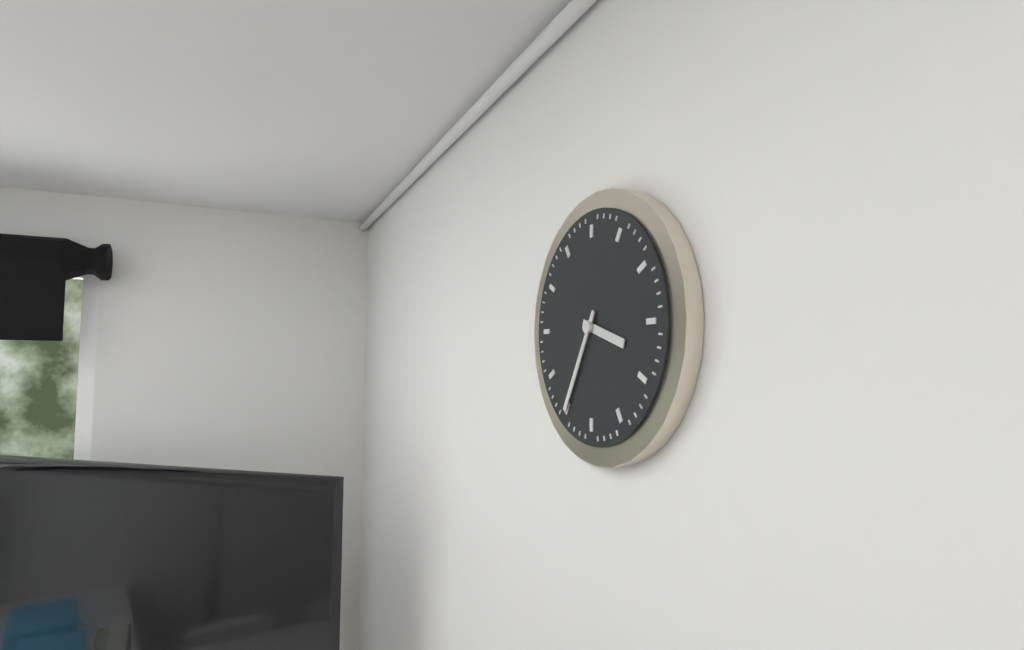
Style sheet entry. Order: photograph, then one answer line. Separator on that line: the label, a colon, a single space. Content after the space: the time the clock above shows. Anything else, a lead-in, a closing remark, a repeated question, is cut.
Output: 3:35
